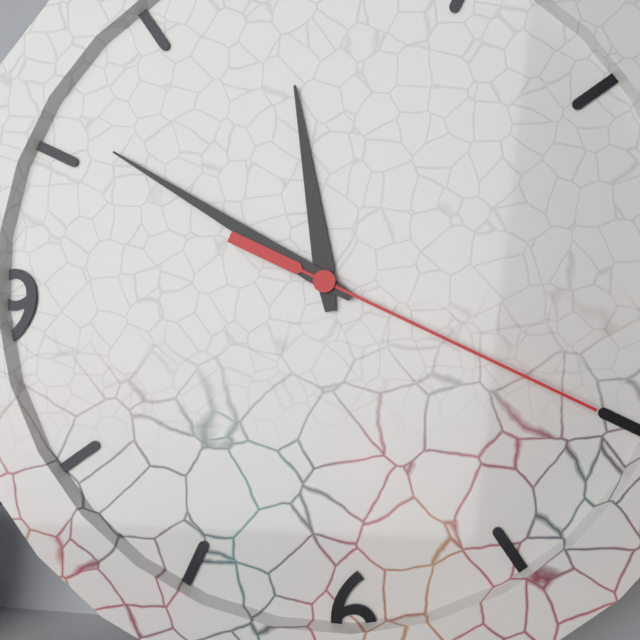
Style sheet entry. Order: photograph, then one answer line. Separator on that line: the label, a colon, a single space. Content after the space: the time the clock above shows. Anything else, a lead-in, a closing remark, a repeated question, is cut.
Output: 11:51:20
